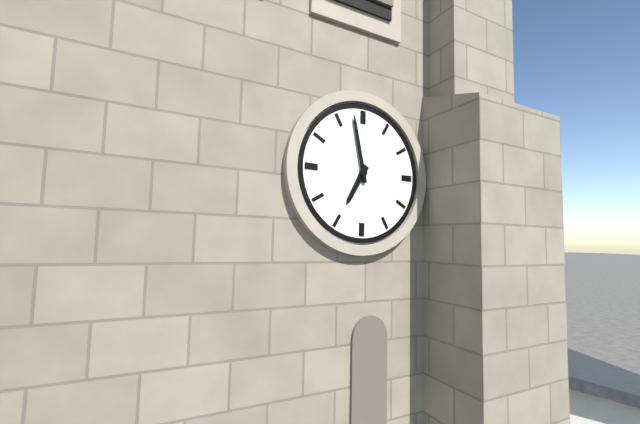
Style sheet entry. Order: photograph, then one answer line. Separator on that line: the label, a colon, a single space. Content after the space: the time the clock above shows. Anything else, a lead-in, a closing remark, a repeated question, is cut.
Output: 6:58
